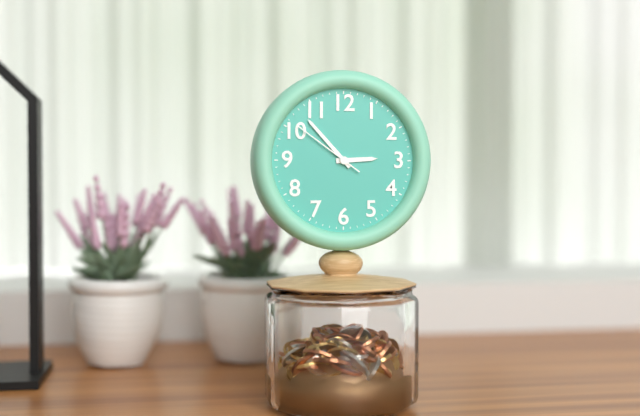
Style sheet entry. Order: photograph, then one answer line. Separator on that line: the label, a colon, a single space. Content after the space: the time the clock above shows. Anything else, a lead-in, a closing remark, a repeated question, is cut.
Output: 2:53:51
